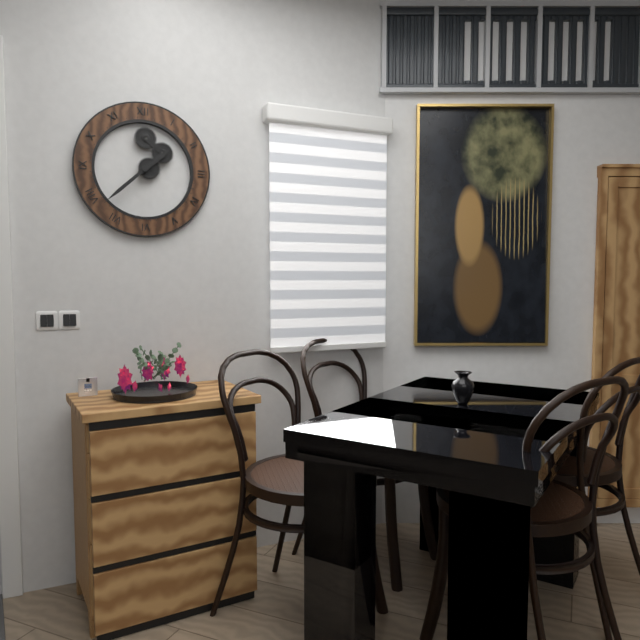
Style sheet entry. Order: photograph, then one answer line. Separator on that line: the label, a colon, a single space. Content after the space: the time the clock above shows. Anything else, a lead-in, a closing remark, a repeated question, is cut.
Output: 1:38
